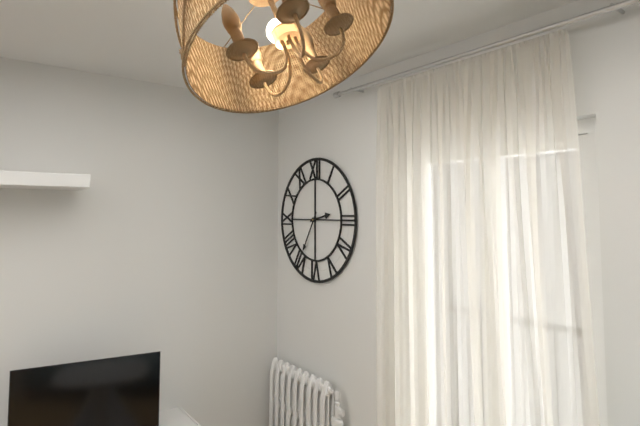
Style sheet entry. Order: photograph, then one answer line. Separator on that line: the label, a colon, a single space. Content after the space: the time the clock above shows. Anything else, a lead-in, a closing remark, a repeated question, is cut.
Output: 2:35
